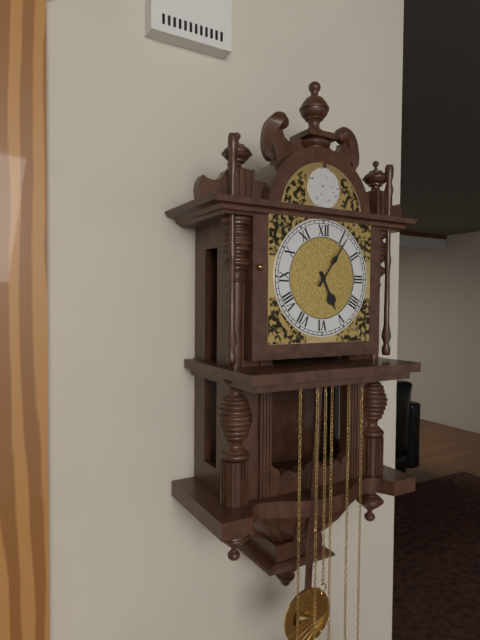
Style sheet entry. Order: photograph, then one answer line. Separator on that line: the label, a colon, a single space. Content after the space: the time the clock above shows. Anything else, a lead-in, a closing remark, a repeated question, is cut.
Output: 5:06
